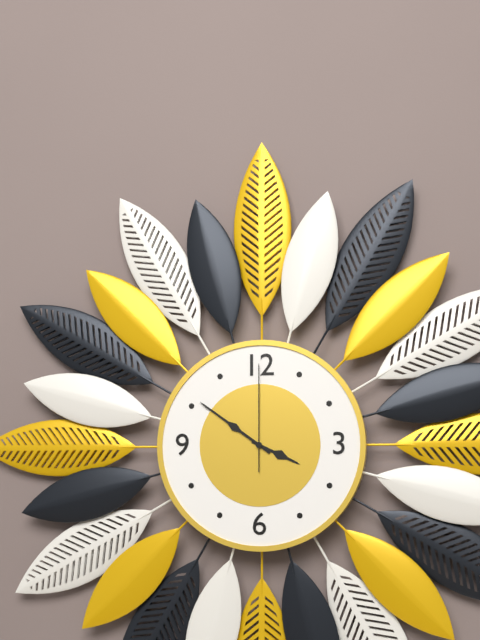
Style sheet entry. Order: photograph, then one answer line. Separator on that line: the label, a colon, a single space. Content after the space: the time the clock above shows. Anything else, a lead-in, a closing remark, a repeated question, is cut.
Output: 3:51:00
